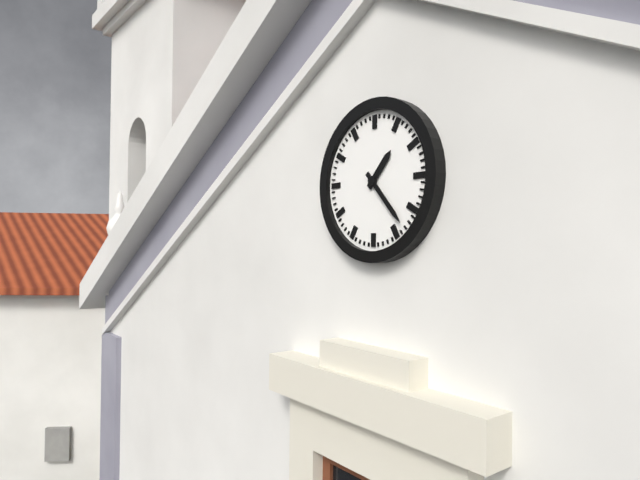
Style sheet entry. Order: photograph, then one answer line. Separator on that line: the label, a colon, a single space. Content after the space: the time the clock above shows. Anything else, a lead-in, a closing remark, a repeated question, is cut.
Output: 1:23
